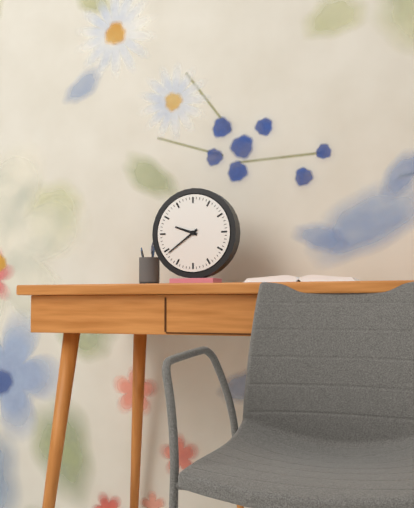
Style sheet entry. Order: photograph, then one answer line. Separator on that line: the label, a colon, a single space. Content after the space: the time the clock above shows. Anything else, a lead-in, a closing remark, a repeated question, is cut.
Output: 9:39
